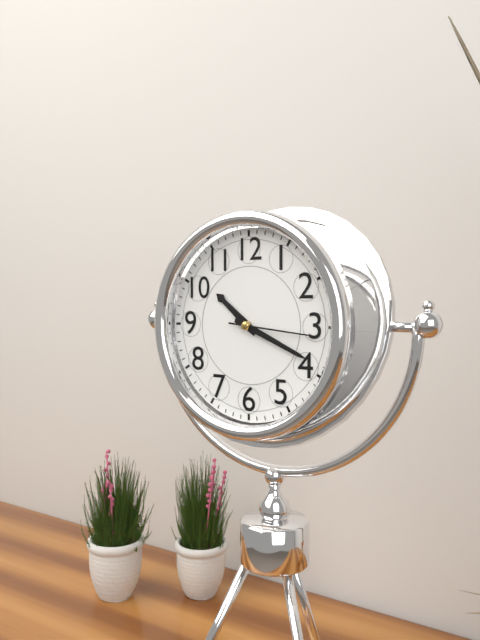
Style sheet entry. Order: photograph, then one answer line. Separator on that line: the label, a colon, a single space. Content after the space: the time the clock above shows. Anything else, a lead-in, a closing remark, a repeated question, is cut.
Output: 10:19:16
